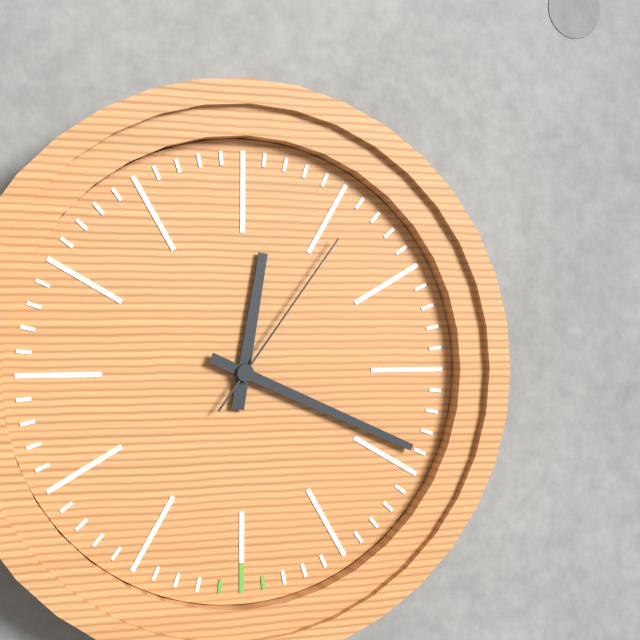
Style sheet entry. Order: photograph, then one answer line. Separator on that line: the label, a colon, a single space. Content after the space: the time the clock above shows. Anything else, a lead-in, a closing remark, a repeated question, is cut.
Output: 12:19:06
